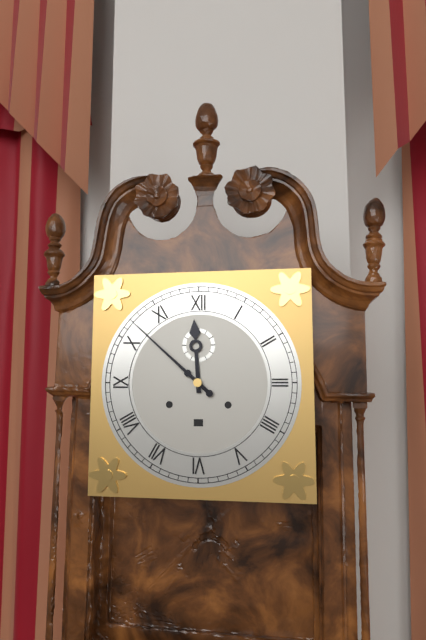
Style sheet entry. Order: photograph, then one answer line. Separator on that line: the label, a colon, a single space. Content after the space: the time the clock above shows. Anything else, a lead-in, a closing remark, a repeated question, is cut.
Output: 11:52
